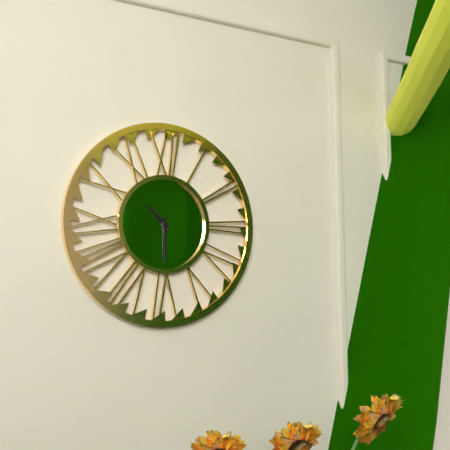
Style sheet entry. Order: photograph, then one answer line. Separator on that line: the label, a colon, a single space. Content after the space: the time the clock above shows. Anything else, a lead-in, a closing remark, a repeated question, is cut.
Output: 10:30
